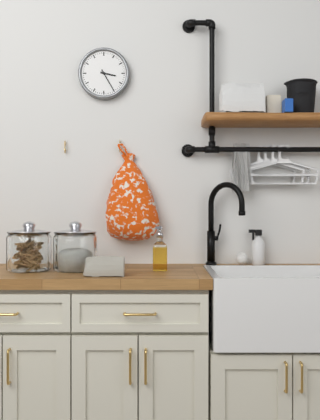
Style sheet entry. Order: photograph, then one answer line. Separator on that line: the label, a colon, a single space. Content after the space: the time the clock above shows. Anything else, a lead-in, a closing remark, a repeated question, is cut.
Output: 3:25
